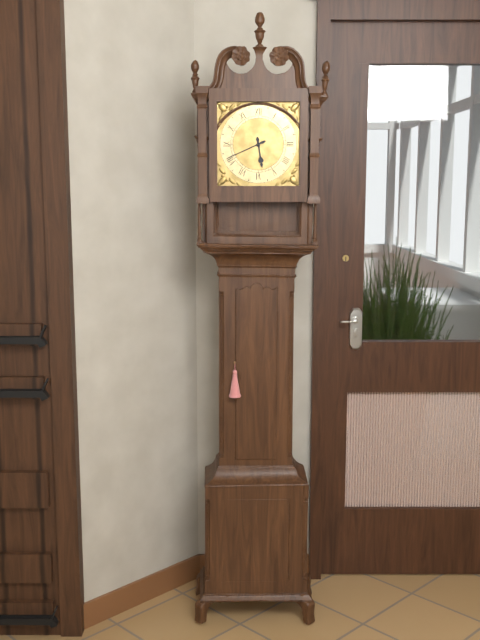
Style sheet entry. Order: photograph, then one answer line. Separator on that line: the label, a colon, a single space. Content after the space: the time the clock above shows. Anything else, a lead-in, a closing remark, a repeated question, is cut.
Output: 5:41
